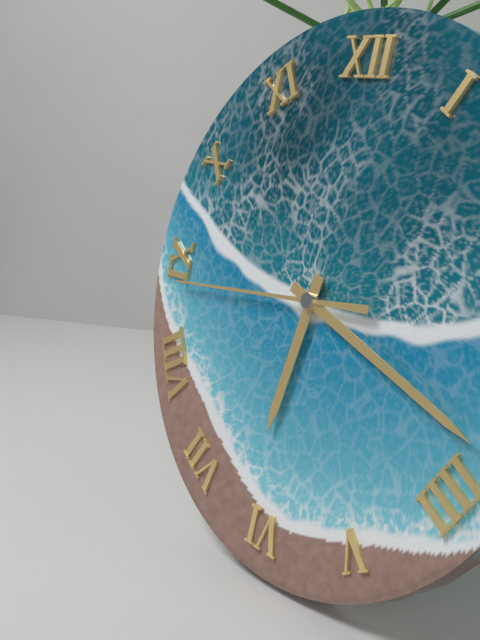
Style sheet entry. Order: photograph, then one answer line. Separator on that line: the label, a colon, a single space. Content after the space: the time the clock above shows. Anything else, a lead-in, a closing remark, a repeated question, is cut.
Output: 6:18:44
